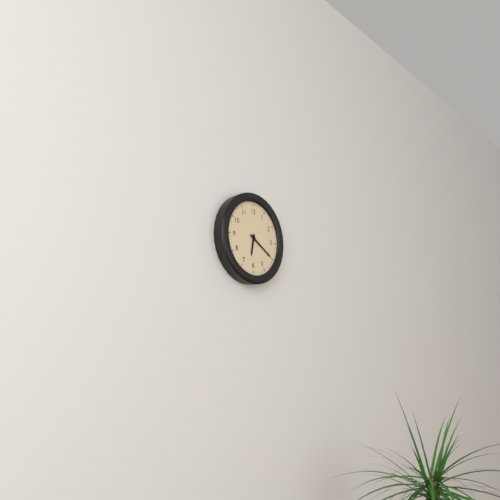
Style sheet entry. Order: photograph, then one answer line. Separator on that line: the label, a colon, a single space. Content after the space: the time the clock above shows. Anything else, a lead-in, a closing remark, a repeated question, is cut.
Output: 6:20
